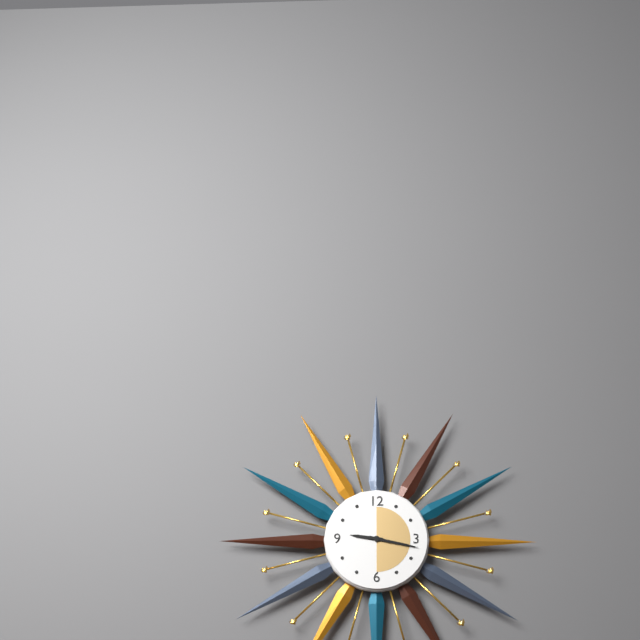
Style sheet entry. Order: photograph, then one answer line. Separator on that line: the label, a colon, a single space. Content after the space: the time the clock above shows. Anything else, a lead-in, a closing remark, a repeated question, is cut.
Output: 9:17
